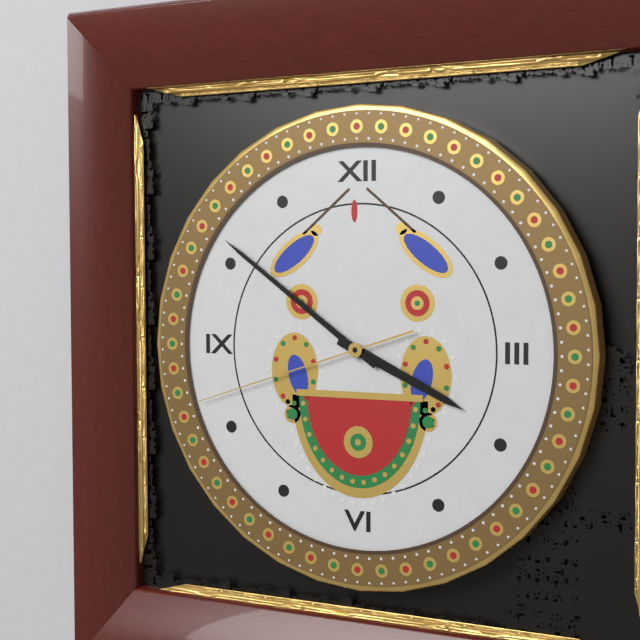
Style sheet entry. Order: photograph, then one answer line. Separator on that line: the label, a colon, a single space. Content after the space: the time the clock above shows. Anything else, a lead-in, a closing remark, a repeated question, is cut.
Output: 3:51:42
